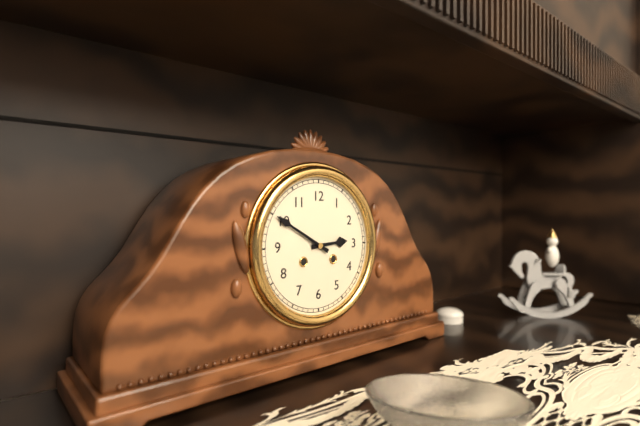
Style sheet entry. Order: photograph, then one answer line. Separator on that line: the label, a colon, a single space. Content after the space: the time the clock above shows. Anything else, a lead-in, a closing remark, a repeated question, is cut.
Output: 2:50
